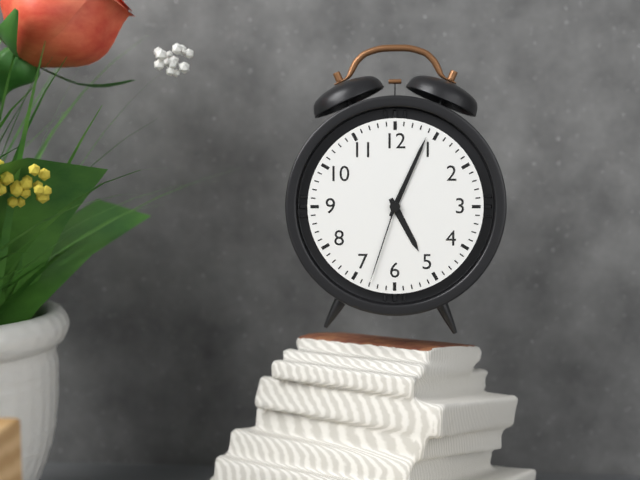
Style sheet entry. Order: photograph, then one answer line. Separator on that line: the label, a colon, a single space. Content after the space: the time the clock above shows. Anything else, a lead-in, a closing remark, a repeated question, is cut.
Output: 5:04:33
